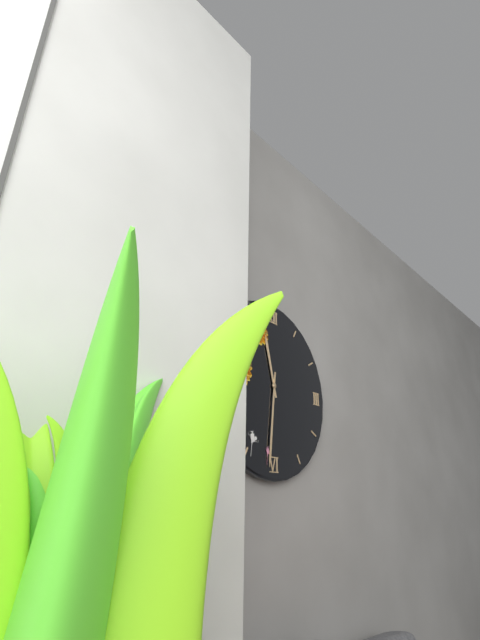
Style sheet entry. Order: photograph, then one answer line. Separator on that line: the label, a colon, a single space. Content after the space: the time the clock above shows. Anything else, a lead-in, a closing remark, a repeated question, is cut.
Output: 11:31
